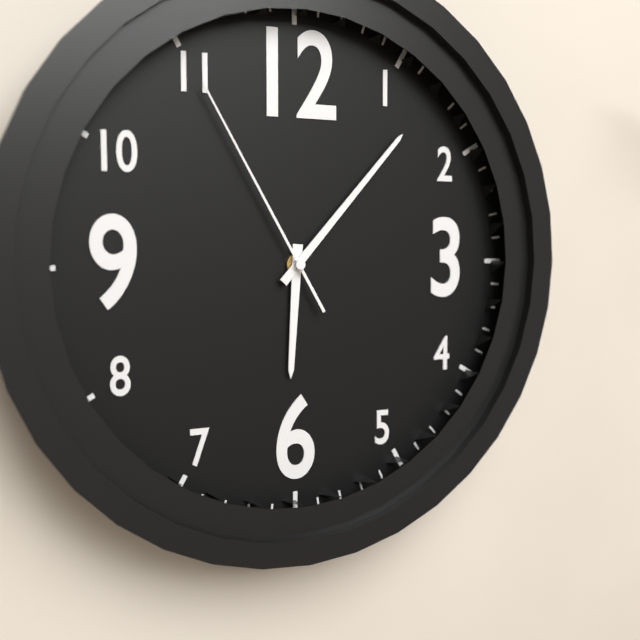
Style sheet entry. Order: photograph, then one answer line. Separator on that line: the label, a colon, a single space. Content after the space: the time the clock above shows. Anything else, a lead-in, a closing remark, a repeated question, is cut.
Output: 6:07:55
